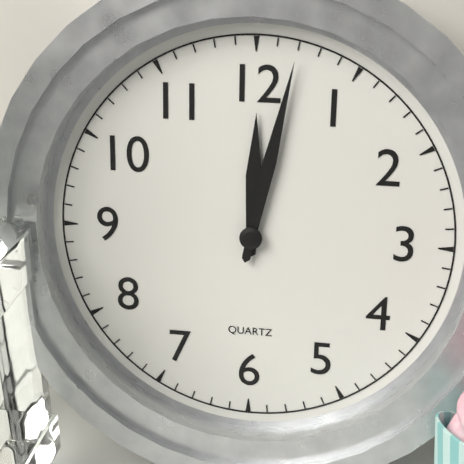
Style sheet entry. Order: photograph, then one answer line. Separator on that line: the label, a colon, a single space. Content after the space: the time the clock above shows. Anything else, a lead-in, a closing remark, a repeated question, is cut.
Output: 12:02
